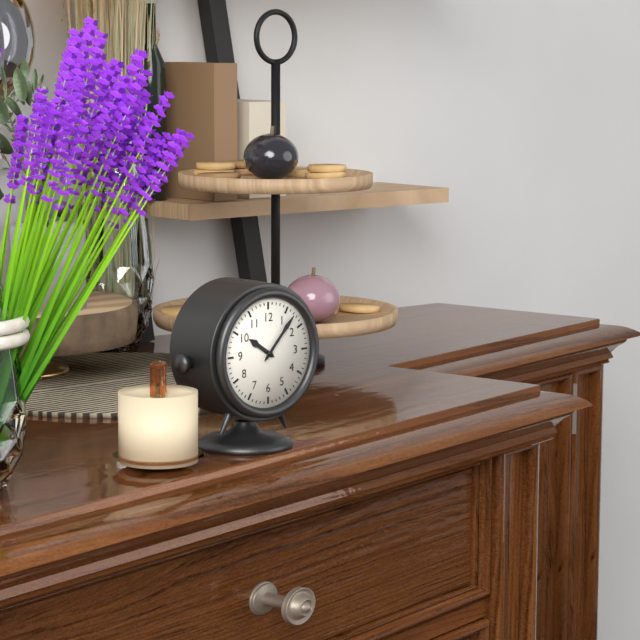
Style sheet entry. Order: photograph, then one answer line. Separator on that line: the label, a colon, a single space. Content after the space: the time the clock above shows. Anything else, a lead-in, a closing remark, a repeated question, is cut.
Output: 10:07
